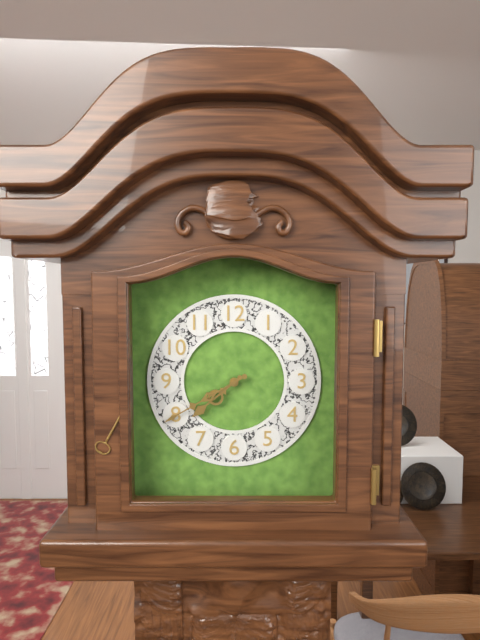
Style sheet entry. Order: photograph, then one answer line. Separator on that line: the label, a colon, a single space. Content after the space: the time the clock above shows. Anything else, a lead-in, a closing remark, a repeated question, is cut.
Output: 7:40
